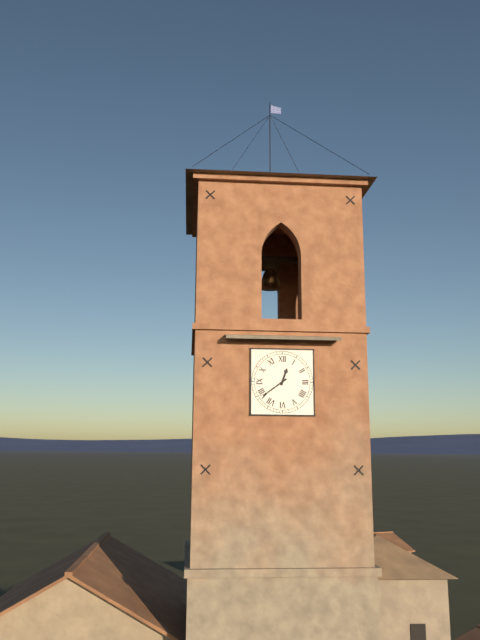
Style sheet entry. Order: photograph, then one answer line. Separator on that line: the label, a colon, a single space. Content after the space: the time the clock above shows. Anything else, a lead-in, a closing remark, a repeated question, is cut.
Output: 12:39
